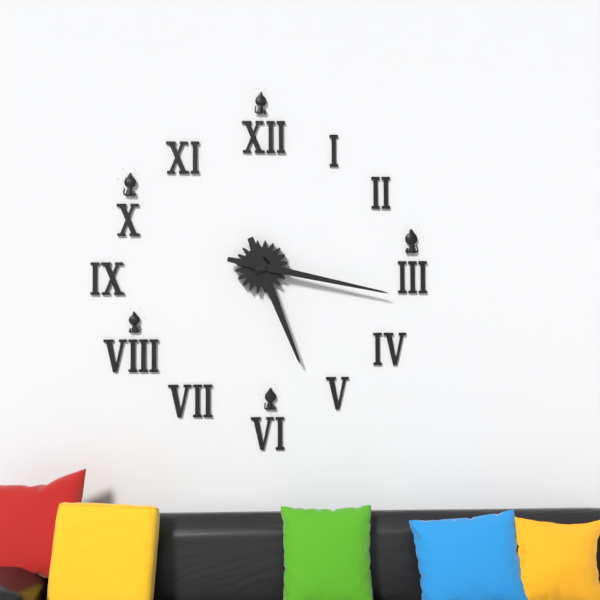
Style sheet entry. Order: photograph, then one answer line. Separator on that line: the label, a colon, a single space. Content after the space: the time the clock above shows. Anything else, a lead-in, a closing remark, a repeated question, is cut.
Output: 5:17
